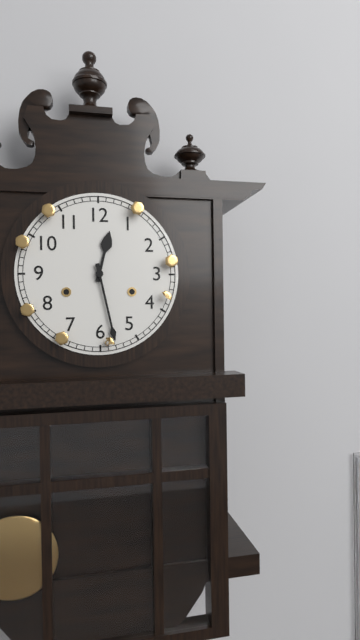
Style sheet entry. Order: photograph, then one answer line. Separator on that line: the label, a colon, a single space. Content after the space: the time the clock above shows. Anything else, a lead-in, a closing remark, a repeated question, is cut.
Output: 12:28
